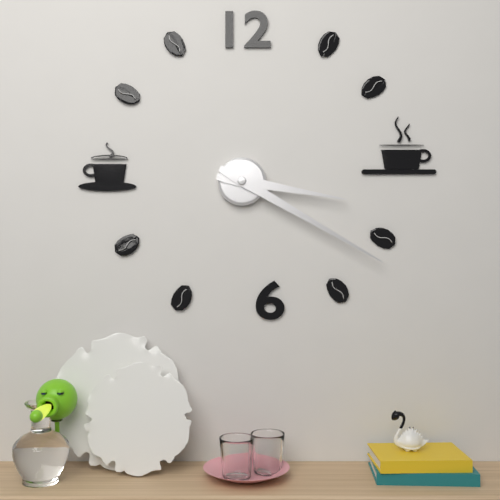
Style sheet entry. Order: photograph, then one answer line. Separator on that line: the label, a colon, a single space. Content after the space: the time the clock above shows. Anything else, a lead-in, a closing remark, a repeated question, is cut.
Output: 3:20
